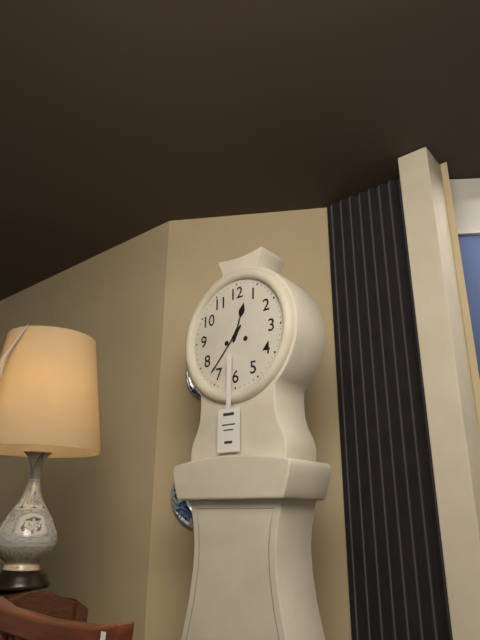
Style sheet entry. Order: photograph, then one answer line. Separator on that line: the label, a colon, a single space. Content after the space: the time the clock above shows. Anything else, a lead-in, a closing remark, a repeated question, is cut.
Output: 12:37
